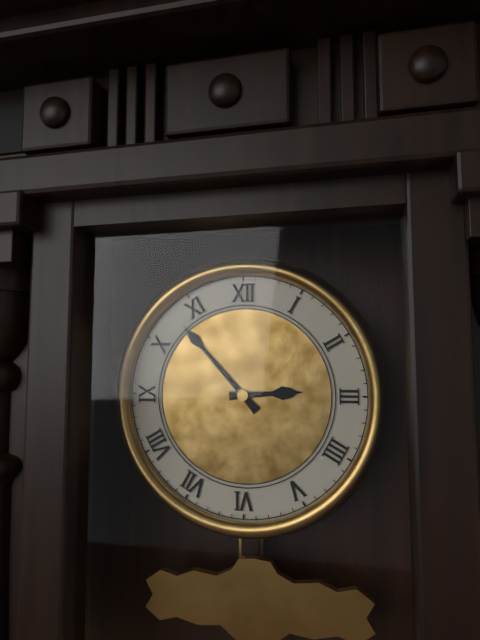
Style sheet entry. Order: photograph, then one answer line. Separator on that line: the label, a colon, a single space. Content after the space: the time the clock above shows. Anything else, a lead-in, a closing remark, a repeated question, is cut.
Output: 2:53
